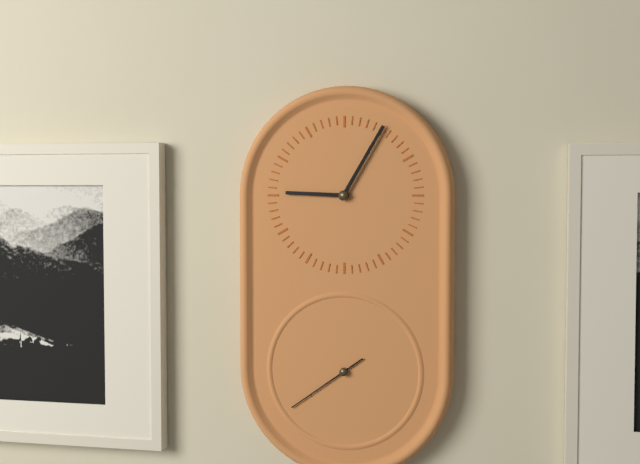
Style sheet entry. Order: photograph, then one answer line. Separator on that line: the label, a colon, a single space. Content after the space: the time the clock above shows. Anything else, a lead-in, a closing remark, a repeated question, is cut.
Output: 9:05:39
